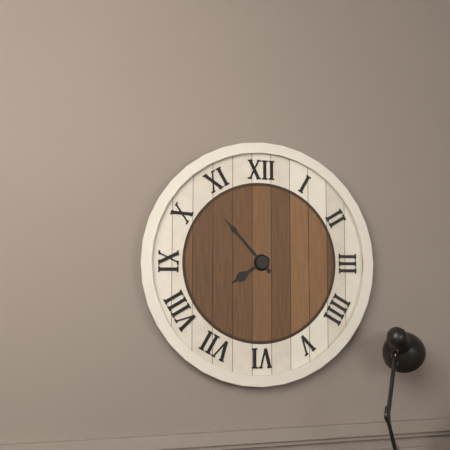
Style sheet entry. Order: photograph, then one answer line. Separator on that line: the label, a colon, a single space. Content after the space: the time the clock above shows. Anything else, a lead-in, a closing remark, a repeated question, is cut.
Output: 7:53
